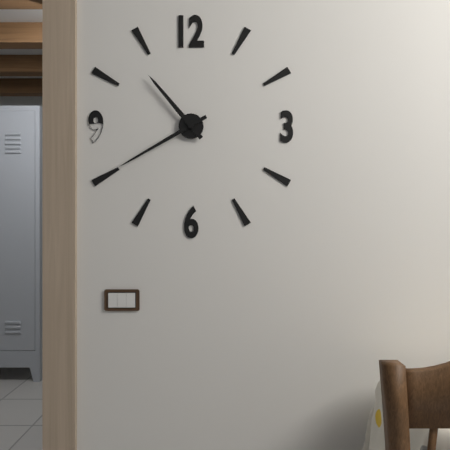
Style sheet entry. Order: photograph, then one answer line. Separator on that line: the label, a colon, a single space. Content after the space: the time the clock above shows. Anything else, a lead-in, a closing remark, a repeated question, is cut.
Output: 10:40
